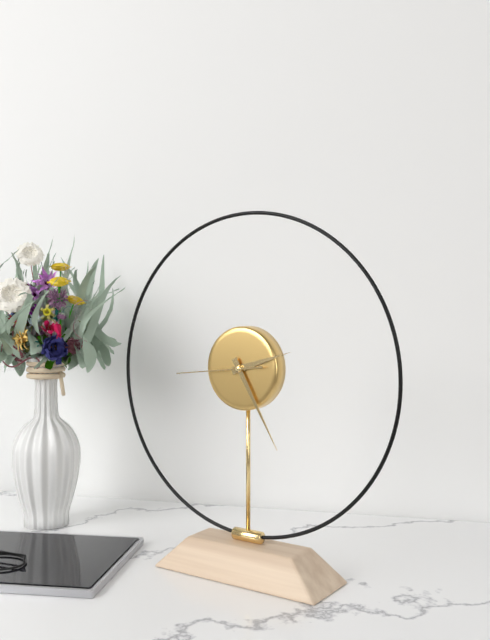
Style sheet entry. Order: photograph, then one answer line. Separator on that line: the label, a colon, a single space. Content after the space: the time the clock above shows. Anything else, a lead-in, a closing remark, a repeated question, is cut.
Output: 2:25:44
